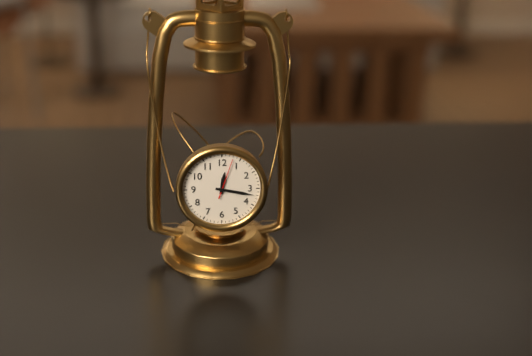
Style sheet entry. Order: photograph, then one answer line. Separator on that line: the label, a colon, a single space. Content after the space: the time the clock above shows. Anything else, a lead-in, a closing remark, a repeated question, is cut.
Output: 12:17
